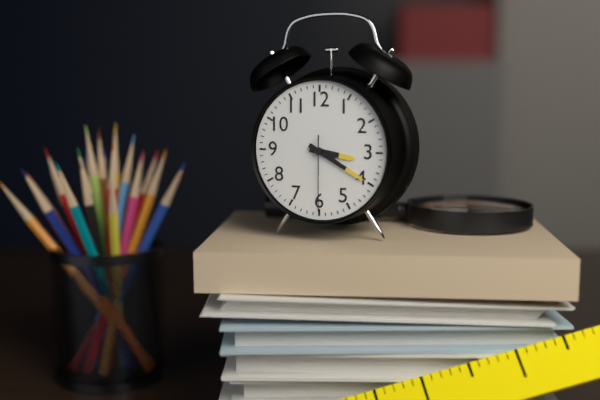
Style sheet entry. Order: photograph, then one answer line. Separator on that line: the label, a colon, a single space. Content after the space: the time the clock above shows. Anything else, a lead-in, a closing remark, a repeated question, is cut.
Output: 3:20:30
